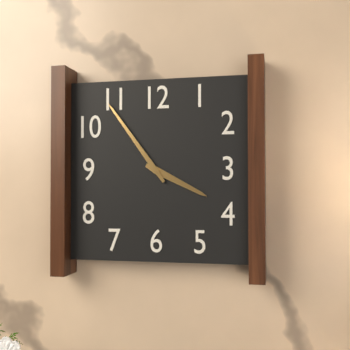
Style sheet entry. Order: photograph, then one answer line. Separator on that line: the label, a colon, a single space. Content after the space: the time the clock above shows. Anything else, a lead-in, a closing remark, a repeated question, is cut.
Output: 3:54
